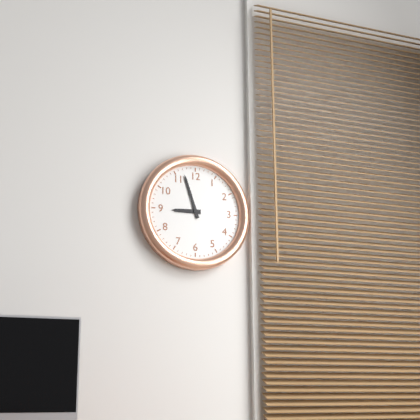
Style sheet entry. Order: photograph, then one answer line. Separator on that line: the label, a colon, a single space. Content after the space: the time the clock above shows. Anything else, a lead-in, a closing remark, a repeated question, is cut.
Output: 8:57
